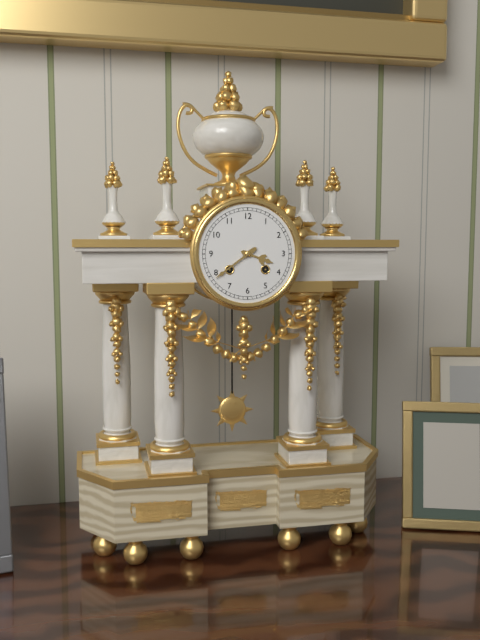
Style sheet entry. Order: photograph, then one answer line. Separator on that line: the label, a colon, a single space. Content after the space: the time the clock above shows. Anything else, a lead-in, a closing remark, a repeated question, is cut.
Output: 3:39
